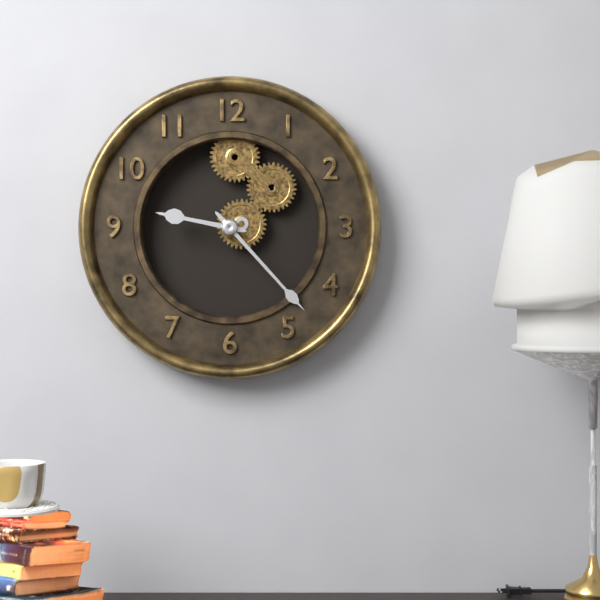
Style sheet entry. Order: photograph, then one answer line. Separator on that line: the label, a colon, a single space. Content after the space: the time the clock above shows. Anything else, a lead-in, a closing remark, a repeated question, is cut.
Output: 9:23
